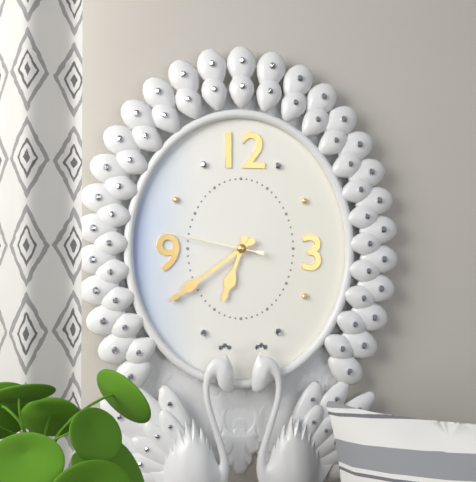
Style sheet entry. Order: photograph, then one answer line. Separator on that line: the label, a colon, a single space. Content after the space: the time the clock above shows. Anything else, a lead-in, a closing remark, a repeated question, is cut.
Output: 6:39:47
